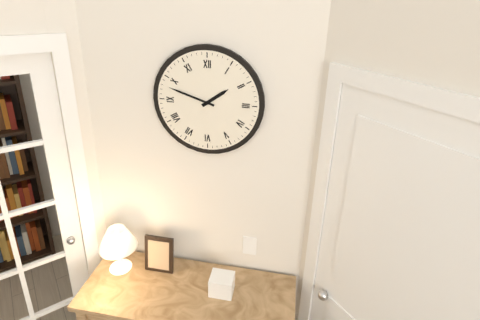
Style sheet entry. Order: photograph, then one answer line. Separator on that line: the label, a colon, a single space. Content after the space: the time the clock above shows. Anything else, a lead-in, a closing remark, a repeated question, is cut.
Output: 1:48
